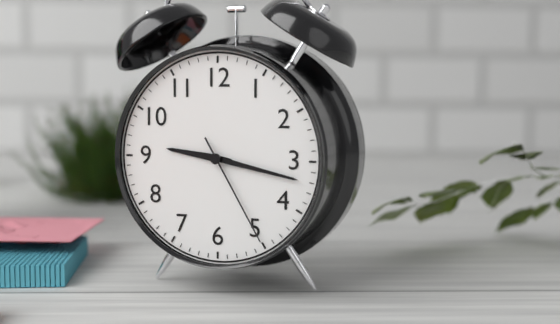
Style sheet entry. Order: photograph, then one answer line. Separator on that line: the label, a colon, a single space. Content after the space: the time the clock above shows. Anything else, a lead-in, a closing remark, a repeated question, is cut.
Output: 9:17:25
